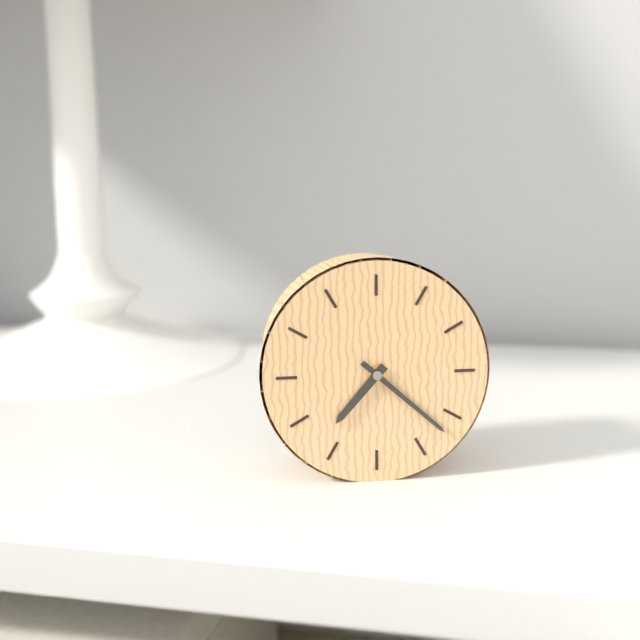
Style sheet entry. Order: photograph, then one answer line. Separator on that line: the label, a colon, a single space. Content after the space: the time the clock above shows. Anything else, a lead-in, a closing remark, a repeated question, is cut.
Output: 7:22
